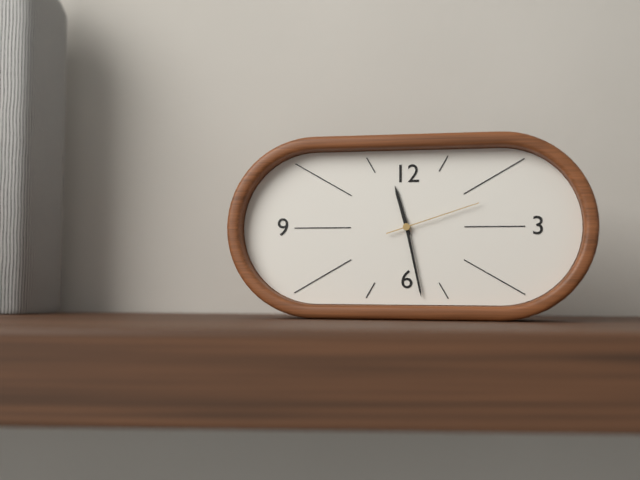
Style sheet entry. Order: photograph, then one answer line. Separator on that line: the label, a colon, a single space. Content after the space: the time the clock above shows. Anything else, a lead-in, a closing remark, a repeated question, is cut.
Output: 11:28:12
